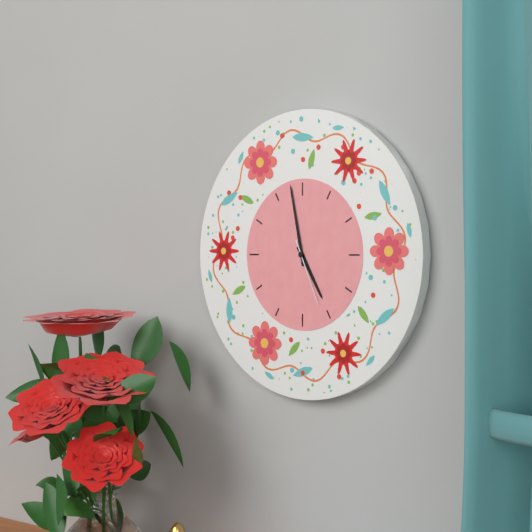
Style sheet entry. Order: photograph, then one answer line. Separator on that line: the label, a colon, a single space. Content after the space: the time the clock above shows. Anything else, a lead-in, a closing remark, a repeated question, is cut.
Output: 4:58:26
